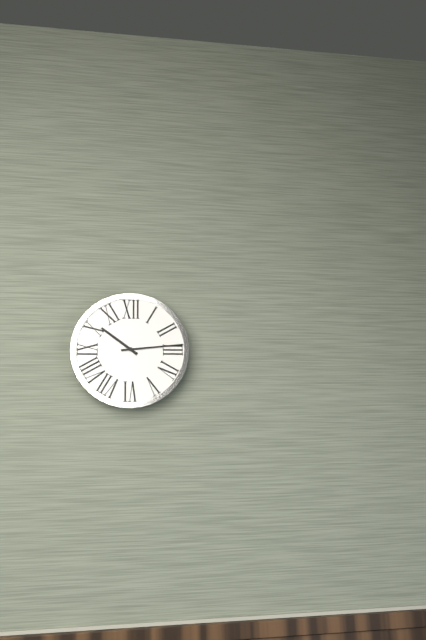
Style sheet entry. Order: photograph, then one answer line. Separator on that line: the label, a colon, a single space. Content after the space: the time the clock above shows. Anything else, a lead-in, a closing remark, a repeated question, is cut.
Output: 10:14
